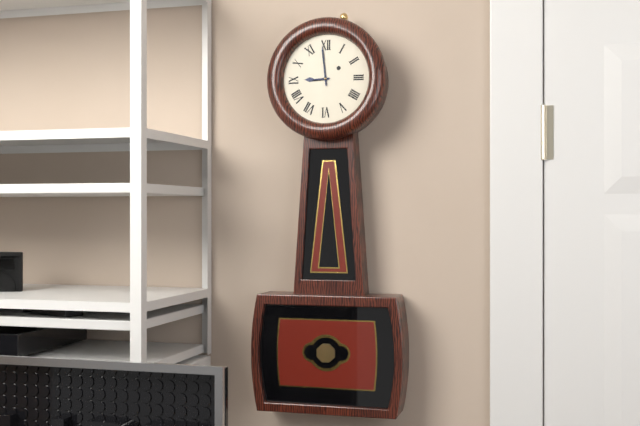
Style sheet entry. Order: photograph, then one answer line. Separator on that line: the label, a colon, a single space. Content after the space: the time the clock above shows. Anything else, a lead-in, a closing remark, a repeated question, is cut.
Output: 8:59
